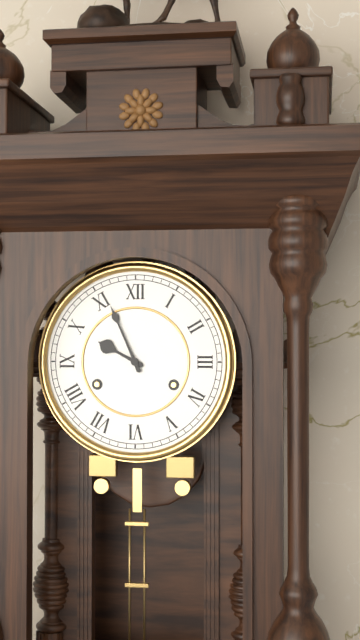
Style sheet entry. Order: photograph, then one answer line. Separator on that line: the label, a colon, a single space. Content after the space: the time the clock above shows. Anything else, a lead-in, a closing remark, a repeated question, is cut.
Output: 9:56
